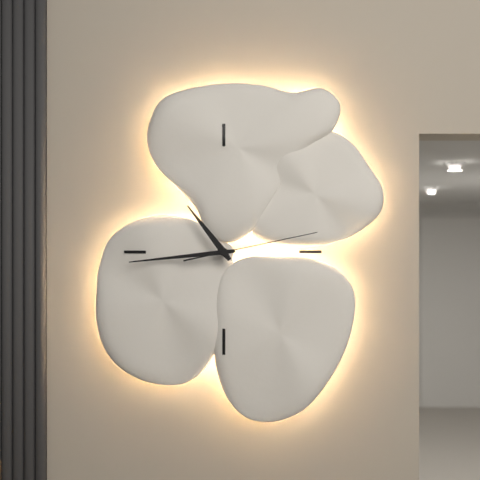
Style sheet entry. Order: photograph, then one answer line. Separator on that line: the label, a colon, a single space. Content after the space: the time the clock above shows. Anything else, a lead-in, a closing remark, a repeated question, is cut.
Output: 10:44:13
